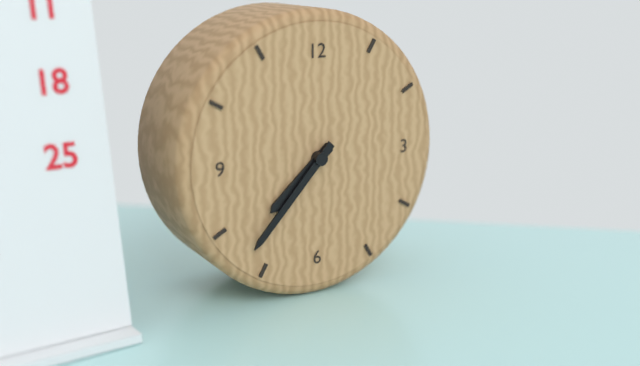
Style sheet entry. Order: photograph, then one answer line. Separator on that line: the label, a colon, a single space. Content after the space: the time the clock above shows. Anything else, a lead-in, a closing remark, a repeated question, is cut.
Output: 7:37
